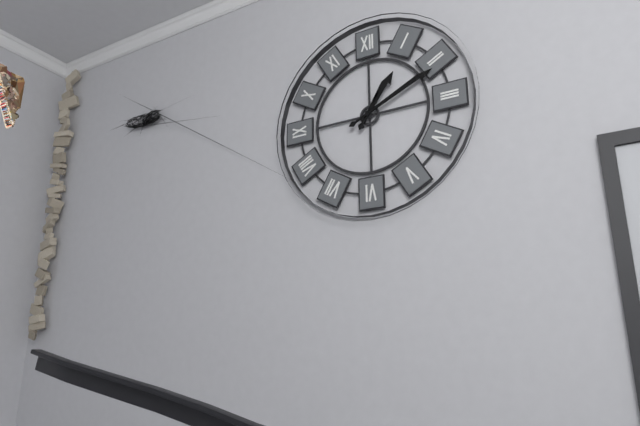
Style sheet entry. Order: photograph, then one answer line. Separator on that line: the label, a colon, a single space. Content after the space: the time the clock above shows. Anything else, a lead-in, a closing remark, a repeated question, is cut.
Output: 1:11
